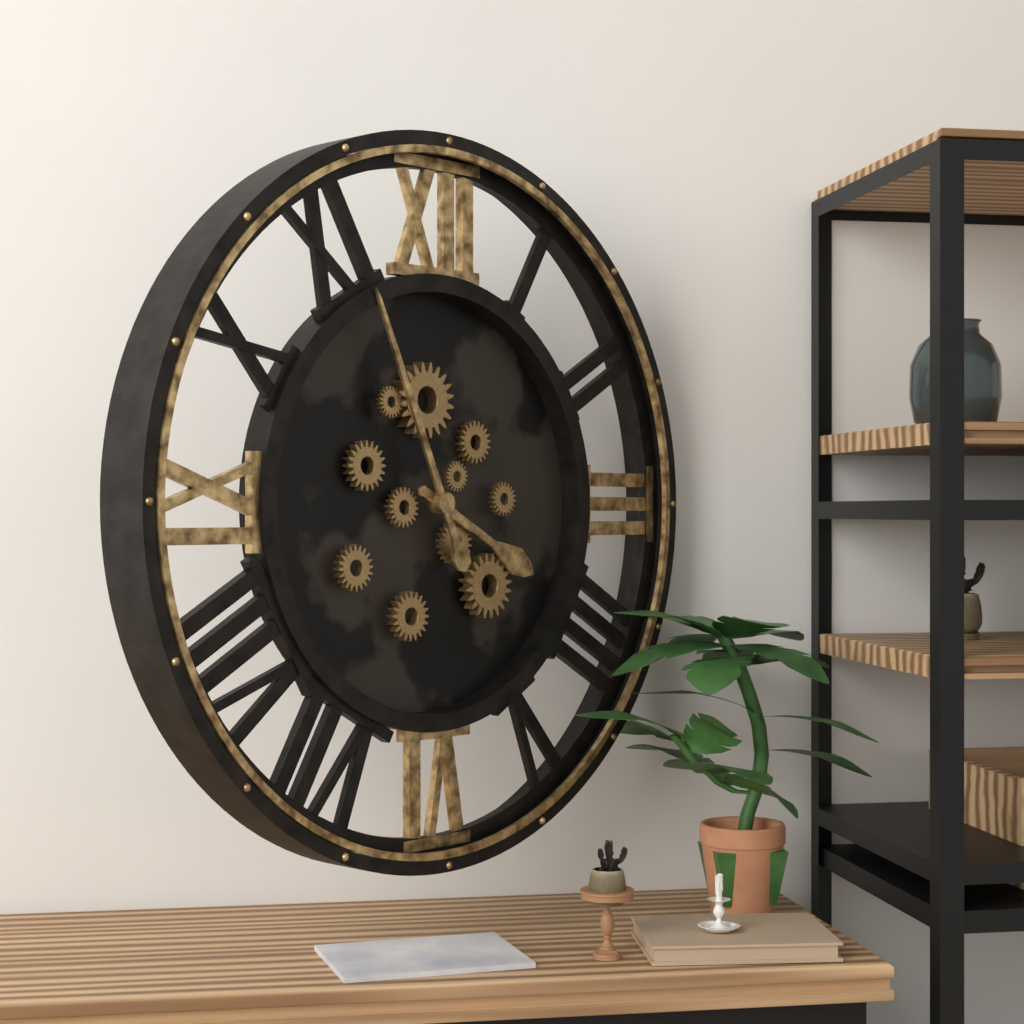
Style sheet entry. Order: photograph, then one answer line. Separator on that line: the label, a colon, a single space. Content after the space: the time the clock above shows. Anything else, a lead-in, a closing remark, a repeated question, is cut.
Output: 3:56
